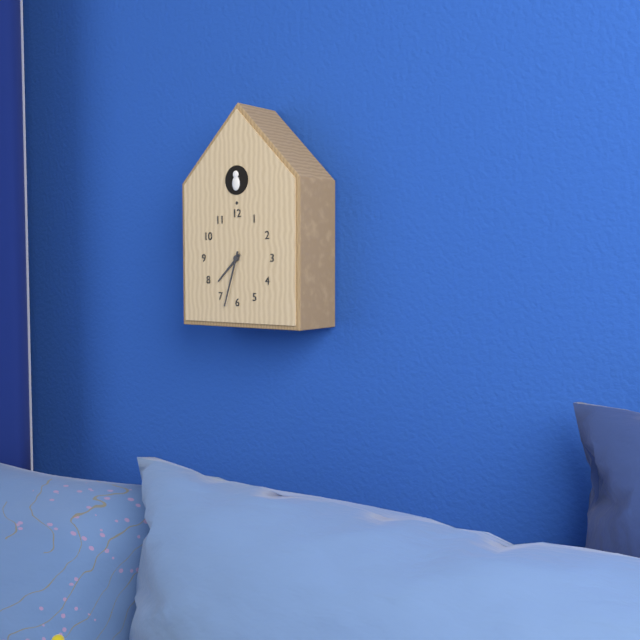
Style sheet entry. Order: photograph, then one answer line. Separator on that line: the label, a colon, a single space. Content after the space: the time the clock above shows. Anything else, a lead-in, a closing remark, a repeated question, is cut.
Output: 7:33
